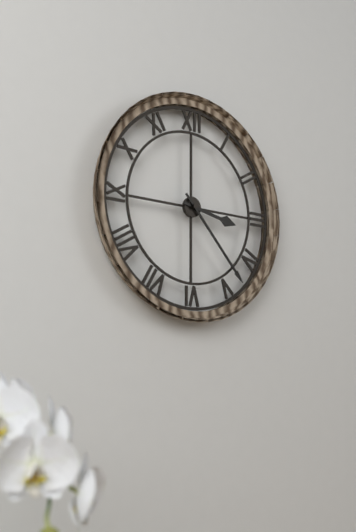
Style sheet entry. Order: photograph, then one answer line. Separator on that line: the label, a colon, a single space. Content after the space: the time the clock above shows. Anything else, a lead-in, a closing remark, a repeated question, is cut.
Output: 3:23
